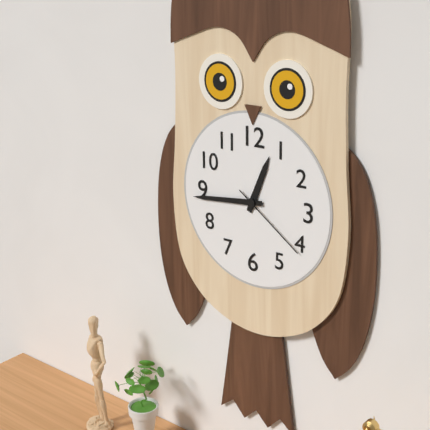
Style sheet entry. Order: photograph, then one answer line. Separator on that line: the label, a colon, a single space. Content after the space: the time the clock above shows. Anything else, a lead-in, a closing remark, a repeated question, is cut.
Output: 12:44:21
